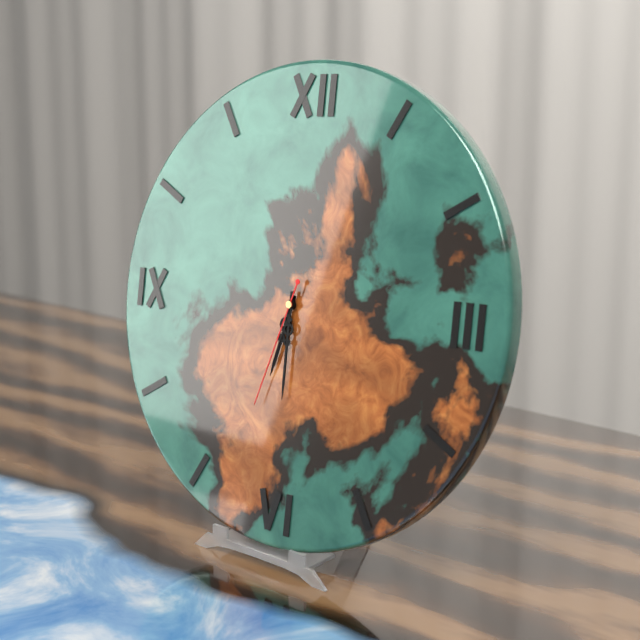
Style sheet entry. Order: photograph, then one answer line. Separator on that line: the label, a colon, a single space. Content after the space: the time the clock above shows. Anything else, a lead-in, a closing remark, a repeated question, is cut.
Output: 6:30:33
